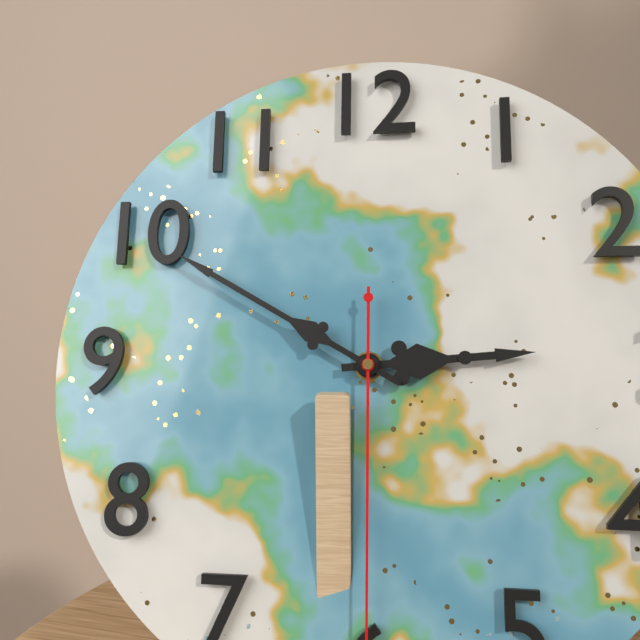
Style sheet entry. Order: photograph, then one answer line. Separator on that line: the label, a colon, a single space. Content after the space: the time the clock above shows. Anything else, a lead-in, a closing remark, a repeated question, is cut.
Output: 2:50
